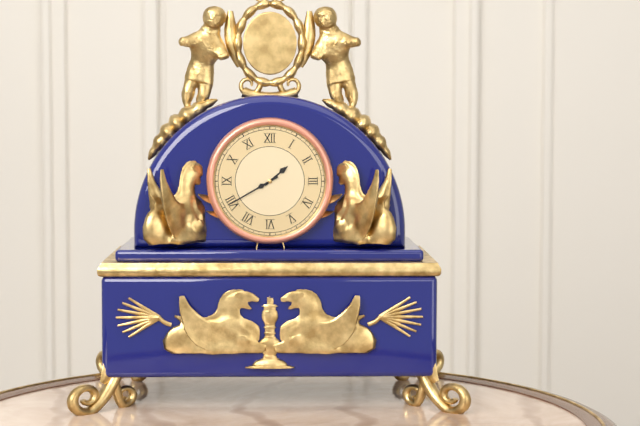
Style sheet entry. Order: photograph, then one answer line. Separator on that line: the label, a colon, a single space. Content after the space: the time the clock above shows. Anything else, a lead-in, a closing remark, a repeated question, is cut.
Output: 1:40
